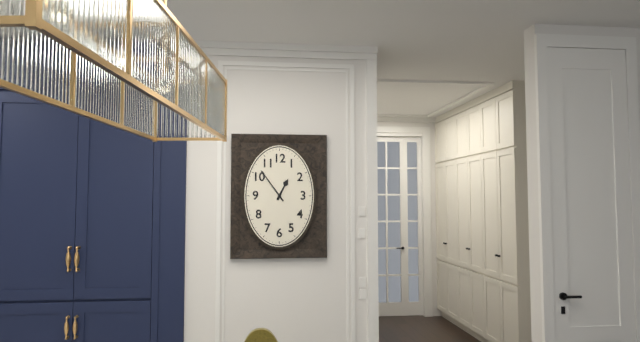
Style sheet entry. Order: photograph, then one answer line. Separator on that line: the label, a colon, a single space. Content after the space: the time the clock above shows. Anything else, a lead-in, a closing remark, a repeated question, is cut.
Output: 12:54
